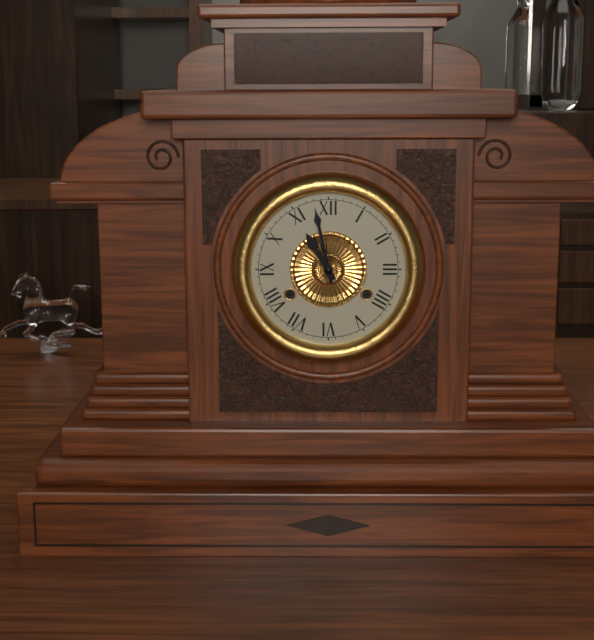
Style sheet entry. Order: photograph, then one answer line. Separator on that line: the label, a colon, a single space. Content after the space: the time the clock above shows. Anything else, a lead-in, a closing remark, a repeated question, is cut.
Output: 10:58
